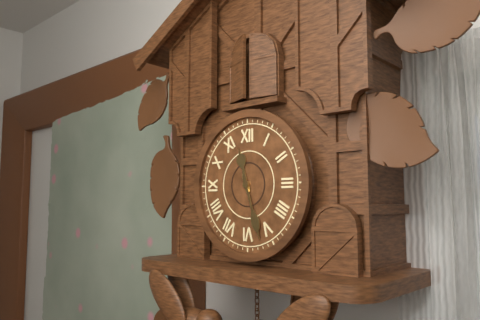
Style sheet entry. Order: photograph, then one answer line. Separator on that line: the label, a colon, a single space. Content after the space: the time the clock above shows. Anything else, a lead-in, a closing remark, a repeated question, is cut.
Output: 11:27
